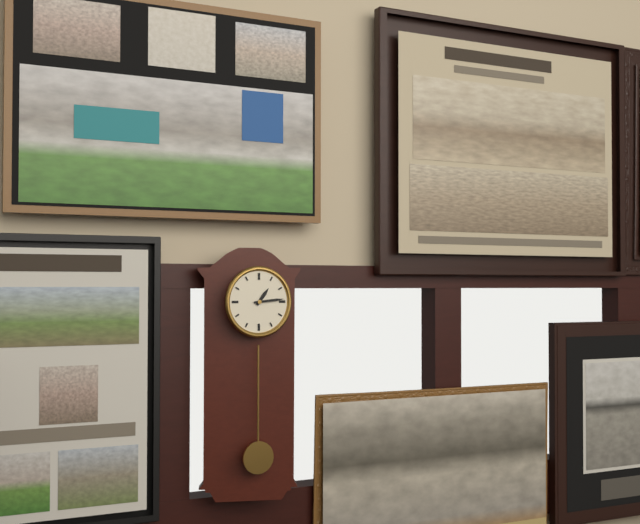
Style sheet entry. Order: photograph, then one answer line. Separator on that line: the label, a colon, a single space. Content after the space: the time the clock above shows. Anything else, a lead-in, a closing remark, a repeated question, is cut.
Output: 1:14
